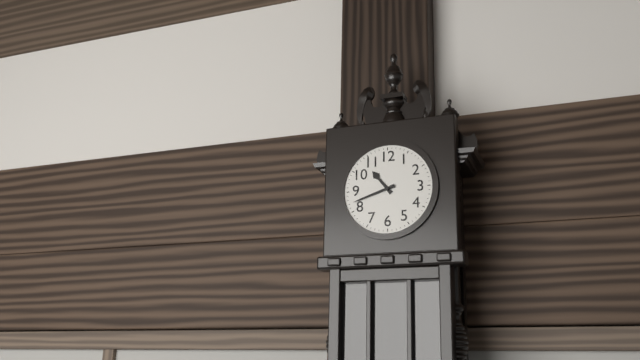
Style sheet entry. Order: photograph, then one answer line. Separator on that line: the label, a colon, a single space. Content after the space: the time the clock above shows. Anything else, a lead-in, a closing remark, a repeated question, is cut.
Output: 10:42
